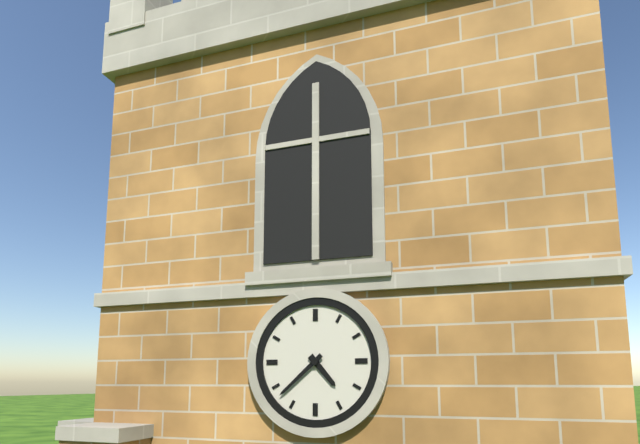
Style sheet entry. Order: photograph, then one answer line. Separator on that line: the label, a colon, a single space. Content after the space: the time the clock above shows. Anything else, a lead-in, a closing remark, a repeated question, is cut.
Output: 4:38
